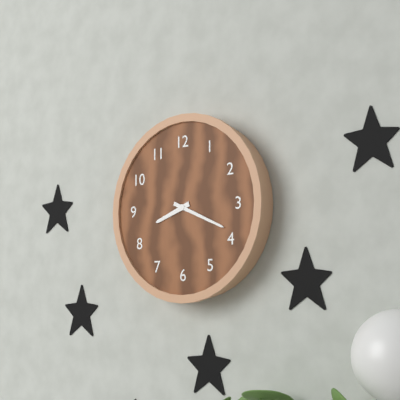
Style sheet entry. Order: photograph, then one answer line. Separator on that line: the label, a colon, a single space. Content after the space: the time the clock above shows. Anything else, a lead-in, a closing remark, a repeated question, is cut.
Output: 8:19
